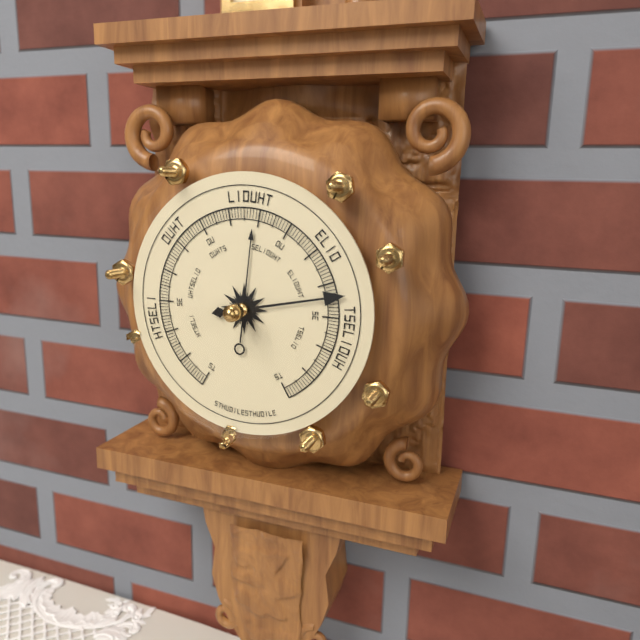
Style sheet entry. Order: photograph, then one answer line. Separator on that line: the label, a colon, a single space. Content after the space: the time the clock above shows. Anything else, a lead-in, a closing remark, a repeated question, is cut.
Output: 12:13
